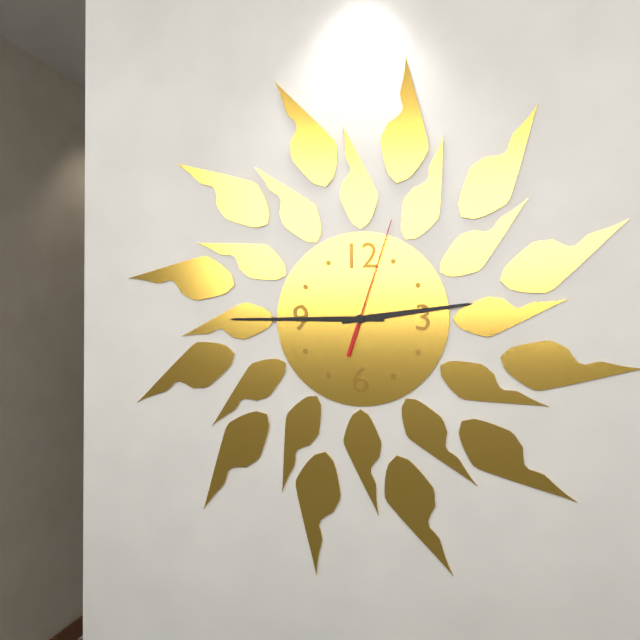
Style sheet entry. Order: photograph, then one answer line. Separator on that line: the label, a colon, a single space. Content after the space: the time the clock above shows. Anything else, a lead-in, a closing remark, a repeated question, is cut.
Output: 2:45:03
